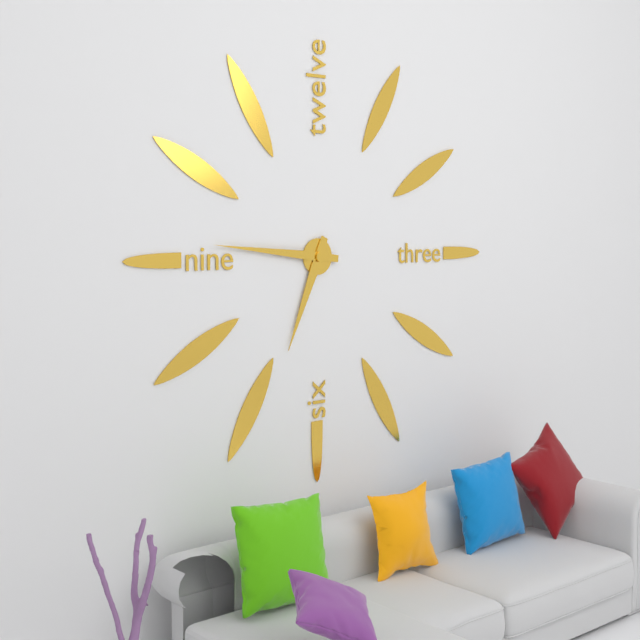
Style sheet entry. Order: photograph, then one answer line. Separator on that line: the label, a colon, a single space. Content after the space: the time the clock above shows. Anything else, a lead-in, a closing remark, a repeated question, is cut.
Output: 6:46
